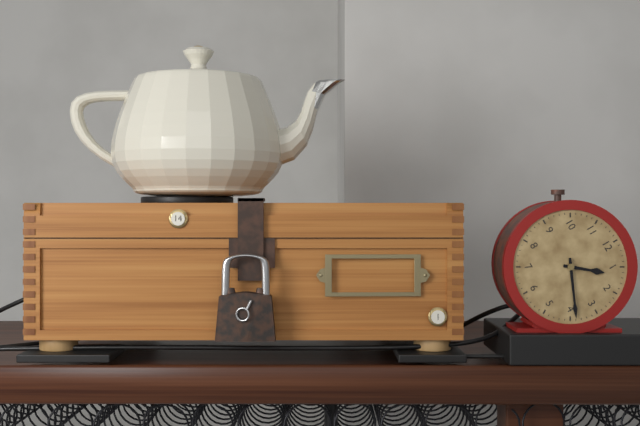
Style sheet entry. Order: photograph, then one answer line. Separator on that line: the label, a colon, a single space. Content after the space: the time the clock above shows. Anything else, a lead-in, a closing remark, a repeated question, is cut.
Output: 1:19
